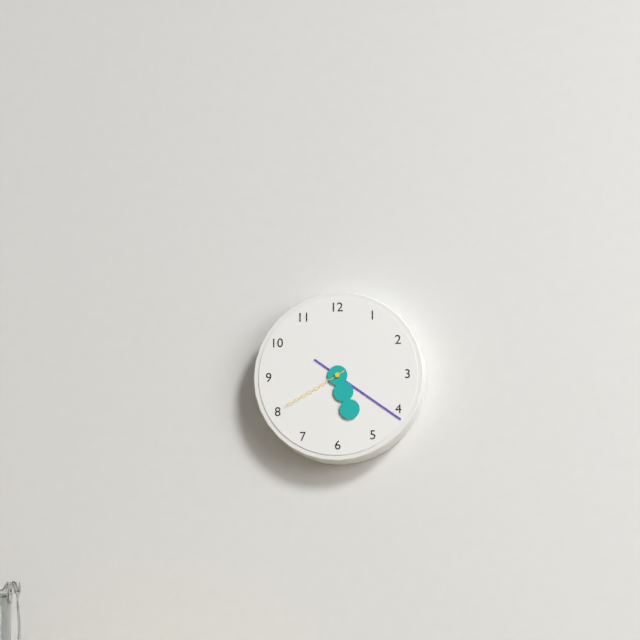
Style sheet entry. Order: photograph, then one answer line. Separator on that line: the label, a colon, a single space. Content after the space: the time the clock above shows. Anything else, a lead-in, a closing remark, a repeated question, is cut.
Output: 5:21:40
